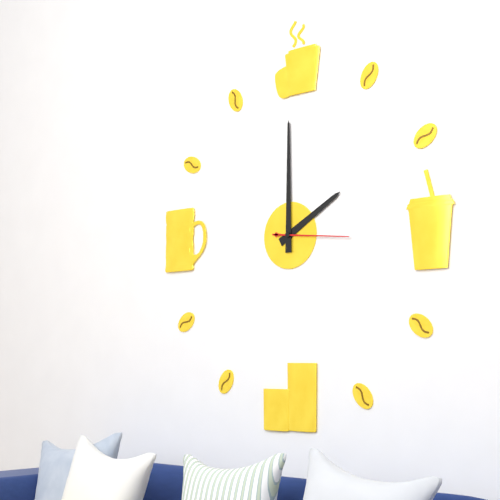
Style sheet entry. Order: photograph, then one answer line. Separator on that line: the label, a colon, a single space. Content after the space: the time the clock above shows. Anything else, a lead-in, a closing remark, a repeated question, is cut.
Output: 2:00:16
